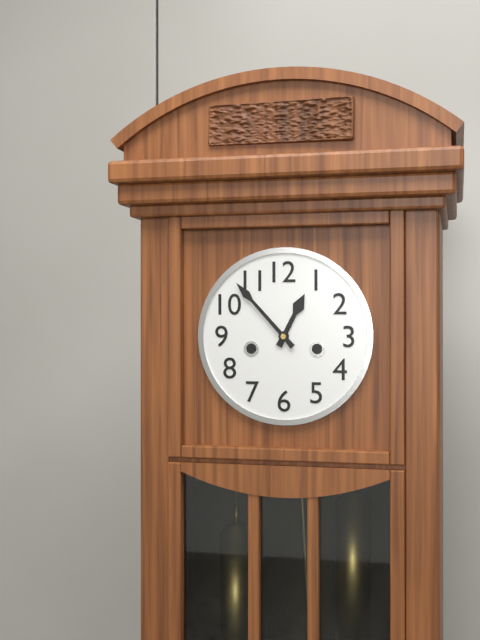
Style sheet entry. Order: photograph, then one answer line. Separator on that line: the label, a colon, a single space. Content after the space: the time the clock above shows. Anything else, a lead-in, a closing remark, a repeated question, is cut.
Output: 12:53
